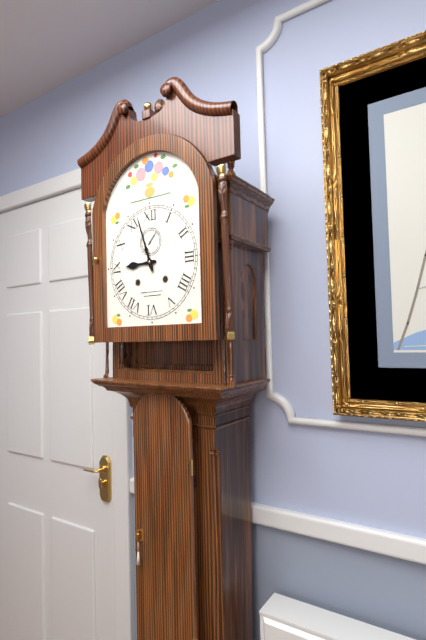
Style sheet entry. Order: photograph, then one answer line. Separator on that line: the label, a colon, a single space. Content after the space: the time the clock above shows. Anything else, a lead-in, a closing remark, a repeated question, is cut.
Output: 8:57
